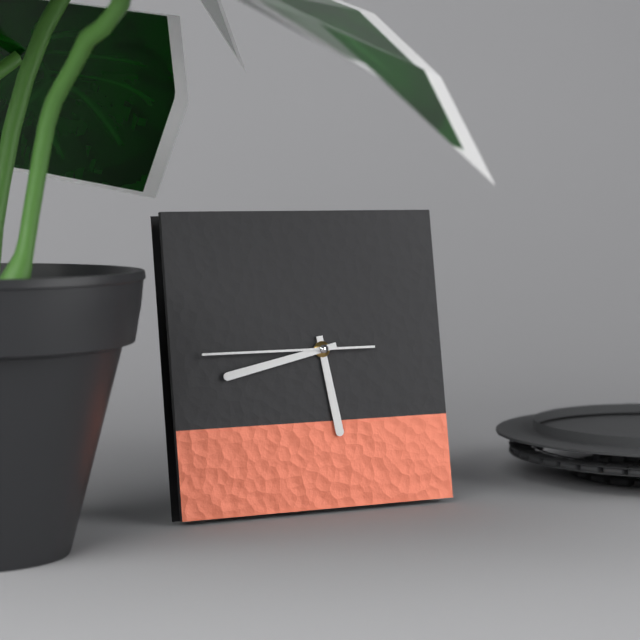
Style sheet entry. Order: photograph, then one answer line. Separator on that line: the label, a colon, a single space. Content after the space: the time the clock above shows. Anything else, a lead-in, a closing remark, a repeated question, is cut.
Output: 5:43:45
